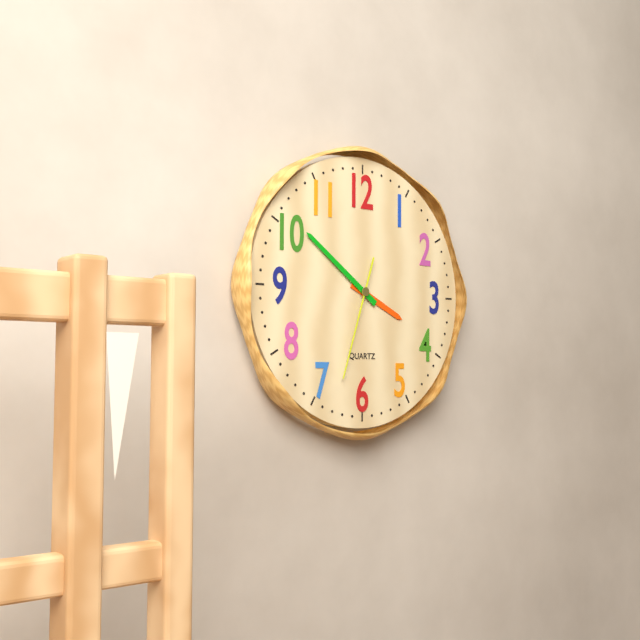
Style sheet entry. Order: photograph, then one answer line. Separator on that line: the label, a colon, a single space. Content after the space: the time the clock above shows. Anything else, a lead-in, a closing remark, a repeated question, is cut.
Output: 3:51:33
